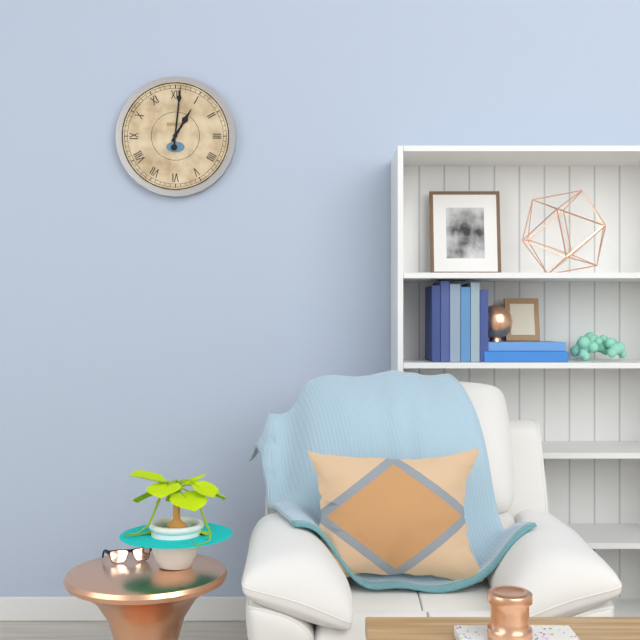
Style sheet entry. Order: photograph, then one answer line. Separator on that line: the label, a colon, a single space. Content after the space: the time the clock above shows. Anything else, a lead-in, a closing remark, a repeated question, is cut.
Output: 1:01
